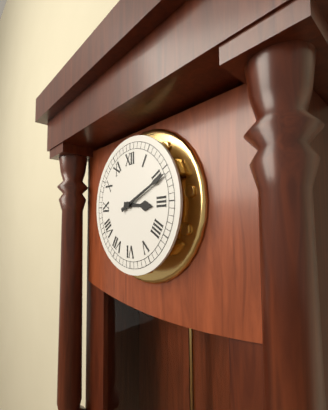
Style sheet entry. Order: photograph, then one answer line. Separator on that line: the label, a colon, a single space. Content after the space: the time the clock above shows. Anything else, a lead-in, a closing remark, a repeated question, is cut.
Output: 3:11
